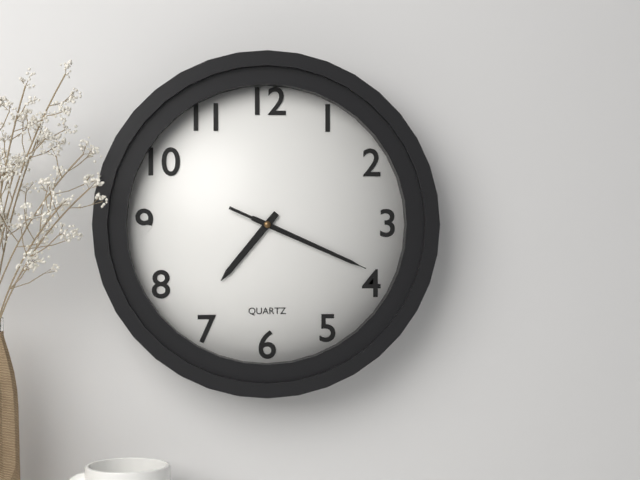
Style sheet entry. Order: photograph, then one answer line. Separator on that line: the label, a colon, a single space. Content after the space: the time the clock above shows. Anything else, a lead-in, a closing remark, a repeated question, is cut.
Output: 7:19:19
